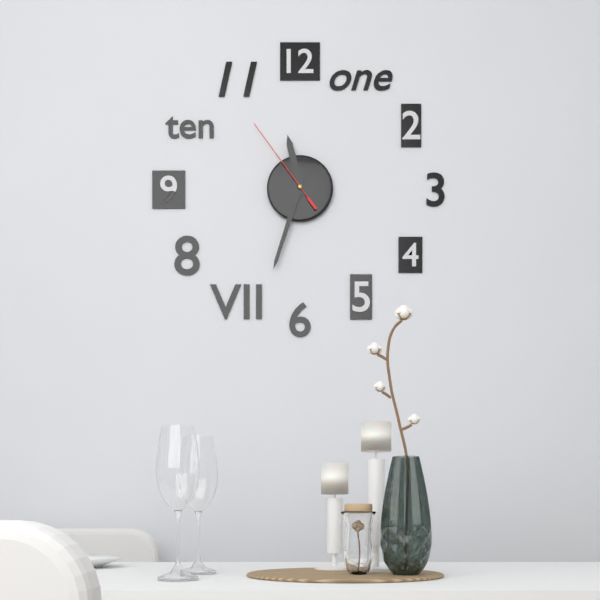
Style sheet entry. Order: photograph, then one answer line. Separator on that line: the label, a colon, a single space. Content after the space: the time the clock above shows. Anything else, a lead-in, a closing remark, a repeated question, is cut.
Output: 11:33:54
